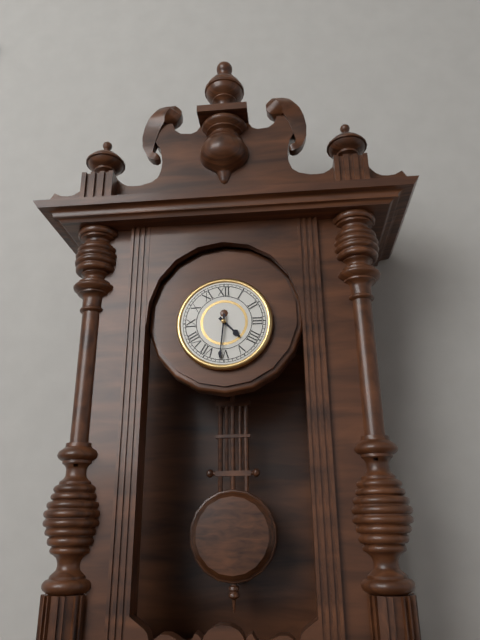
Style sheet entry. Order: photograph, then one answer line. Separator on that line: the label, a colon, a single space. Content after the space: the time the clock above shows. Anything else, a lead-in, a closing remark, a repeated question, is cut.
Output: 4:31
